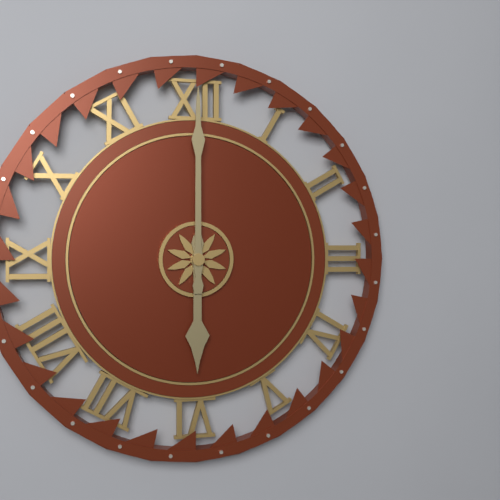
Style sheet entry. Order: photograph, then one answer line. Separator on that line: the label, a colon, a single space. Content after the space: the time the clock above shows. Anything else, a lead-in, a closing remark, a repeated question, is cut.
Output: 6:00
